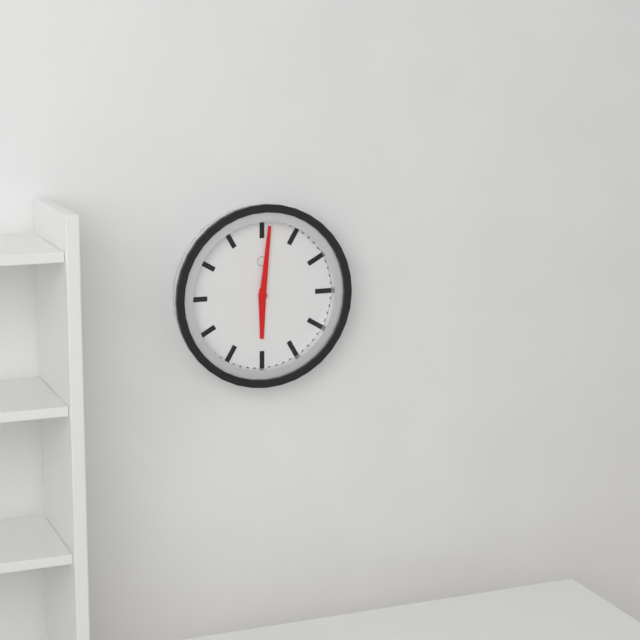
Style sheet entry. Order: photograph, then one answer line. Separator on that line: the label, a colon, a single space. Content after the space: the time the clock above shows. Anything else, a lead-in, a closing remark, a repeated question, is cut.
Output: 6:01
